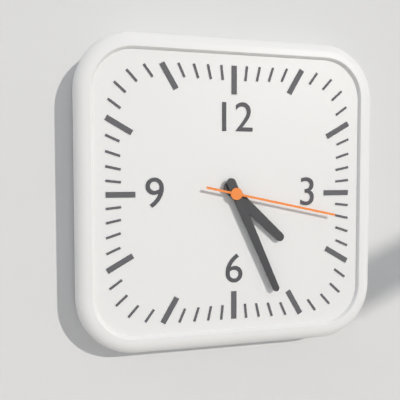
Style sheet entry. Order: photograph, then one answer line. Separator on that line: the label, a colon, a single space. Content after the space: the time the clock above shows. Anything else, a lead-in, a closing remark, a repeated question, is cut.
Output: 4:26:17
